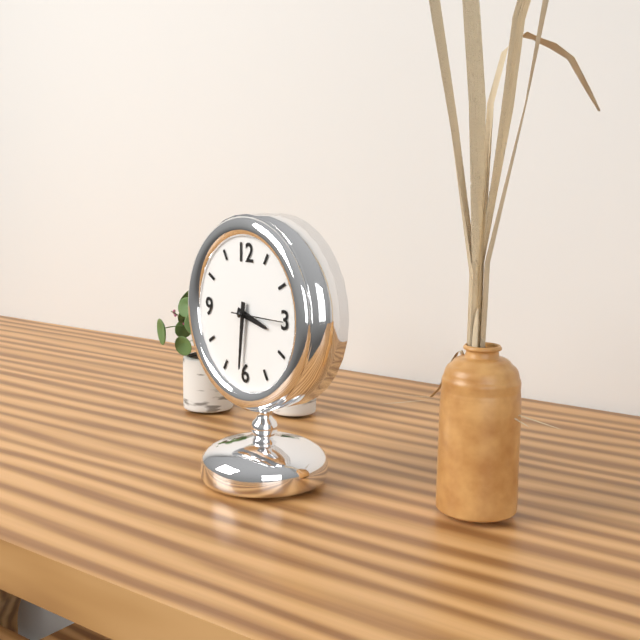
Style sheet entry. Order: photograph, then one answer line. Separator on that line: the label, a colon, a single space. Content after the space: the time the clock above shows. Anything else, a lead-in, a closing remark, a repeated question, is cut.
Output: 3:31:15
